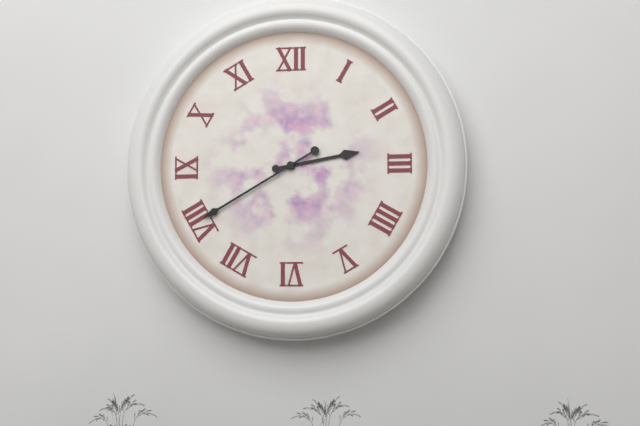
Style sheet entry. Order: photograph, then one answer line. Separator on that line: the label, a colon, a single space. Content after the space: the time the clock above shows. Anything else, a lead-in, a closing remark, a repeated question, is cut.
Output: 2:40
